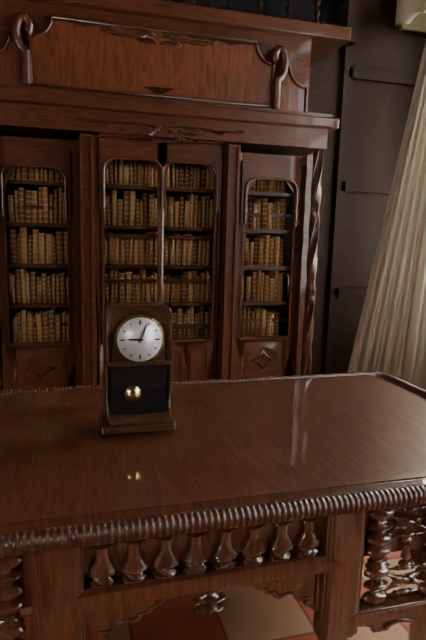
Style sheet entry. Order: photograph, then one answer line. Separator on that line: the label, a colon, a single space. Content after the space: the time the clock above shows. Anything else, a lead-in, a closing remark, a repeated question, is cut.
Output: 9:04
